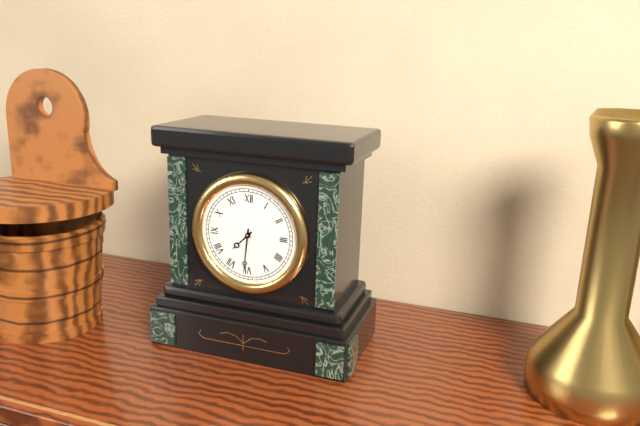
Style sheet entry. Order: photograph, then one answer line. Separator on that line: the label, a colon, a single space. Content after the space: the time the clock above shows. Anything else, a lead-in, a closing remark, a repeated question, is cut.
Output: 7:31
